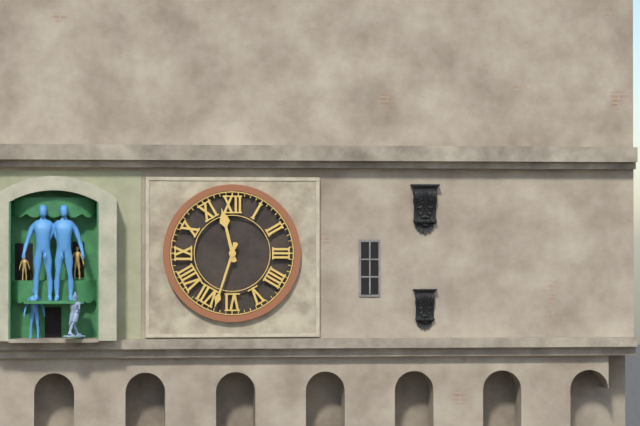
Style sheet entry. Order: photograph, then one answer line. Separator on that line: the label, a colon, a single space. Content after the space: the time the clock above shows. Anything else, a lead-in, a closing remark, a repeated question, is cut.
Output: 11:33
